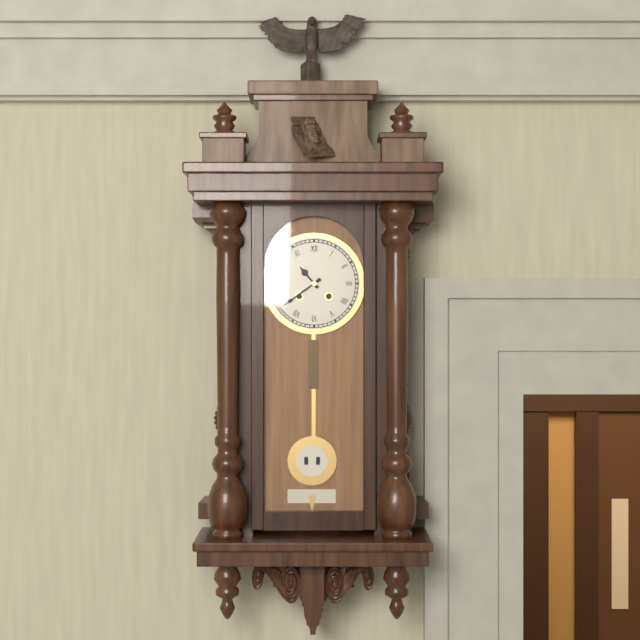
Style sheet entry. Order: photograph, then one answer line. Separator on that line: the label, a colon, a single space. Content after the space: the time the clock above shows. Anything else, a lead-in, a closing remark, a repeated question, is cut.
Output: 10:39
